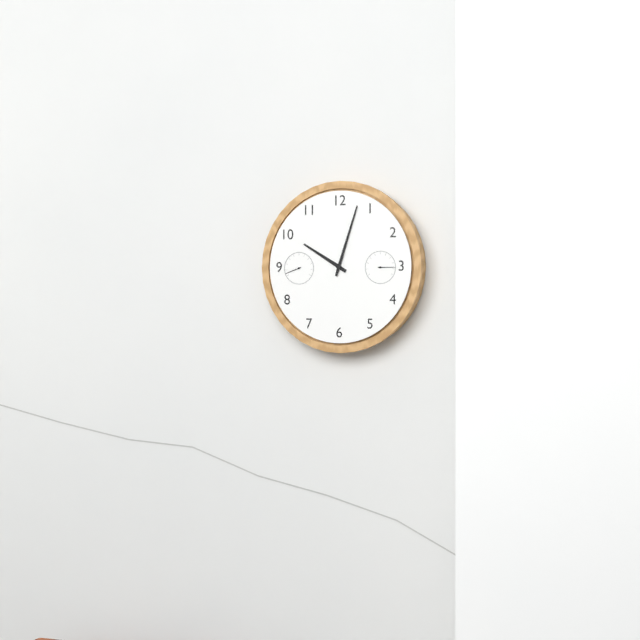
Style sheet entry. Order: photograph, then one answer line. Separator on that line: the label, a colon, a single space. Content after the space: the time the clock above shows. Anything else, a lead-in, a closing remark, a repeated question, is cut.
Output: 10:03
